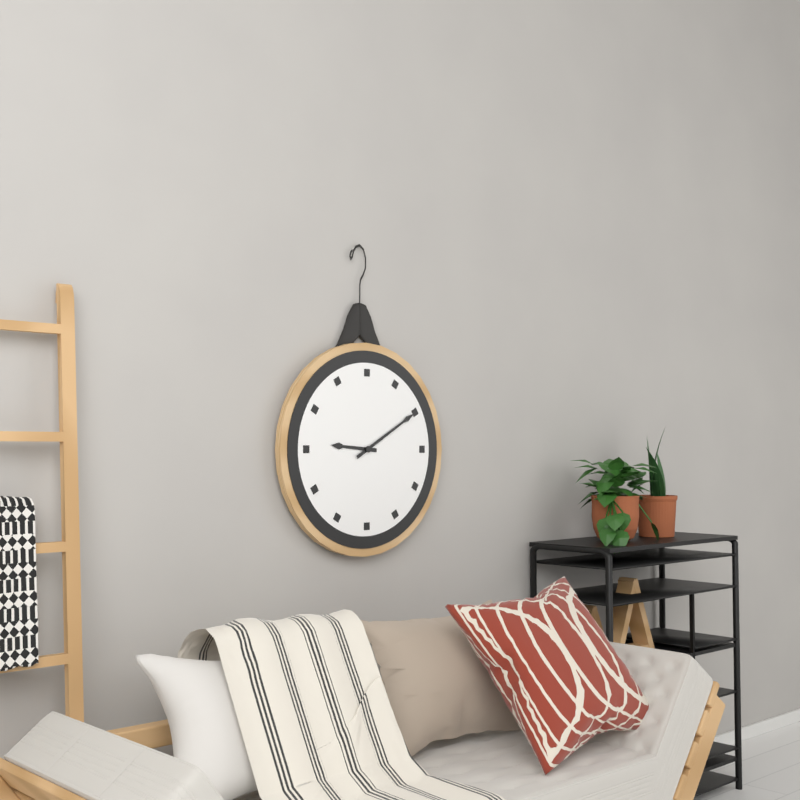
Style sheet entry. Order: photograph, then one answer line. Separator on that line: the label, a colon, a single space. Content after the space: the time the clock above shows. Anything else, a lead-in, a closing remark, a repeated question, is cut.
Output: 9:10
